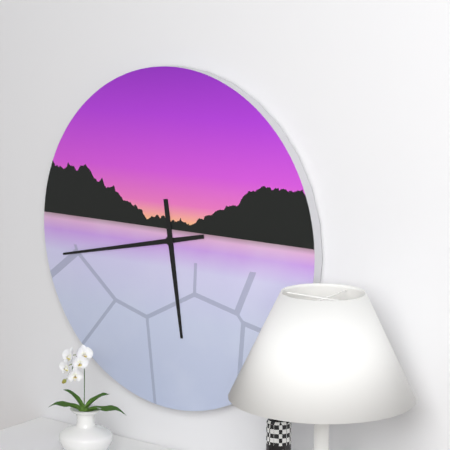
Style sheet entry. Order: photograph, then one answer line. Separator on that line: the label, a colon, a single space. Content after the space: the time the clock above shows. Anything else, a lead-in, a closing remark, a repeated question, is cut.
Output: 5:43
